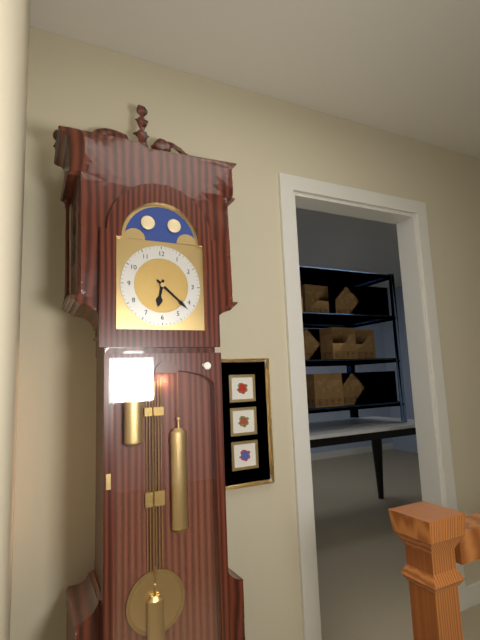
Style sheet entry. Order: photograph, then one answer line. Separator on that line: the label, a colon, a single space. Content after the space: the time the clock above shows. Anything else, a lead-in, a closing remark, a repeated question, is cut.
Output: 6:22
